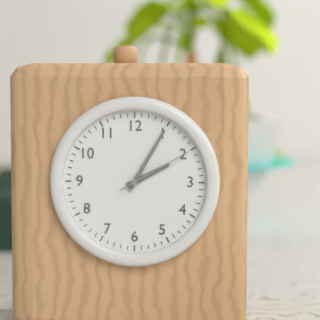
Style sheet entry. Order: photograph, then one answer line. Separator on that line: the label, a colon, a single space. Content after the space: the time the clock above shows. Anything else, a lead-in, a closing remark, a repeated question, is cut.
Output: 2:05:10
